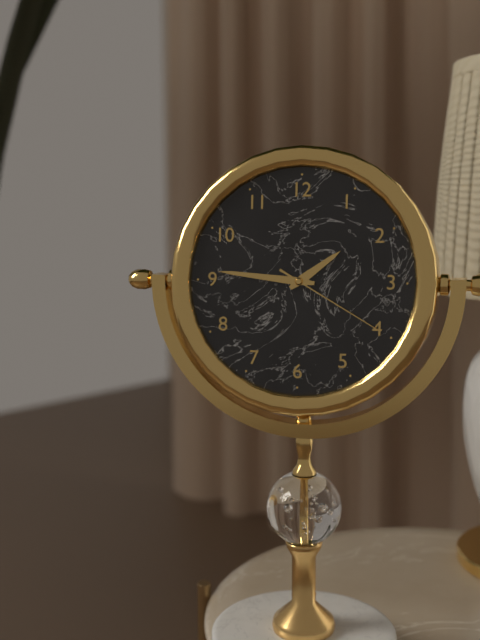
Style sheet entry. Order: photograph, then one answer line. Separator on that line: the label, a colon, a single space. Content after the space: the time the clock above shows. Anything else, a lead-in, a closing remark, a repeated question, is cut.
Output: 1:46:20
